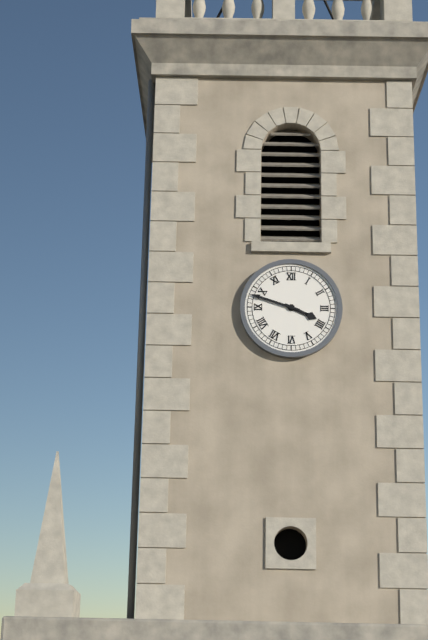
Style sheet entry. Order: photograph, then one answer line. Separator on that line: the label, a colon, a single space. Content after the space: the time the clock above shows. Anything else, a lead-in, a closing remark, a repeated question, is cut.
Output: 3:48
